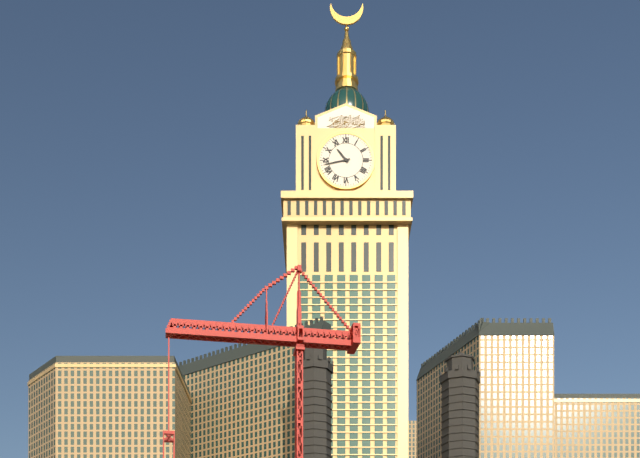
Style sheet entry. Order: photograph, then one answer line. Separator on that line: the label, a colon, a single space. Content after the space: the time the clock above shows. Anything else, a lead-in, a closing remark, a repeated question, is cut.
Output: 10:43
